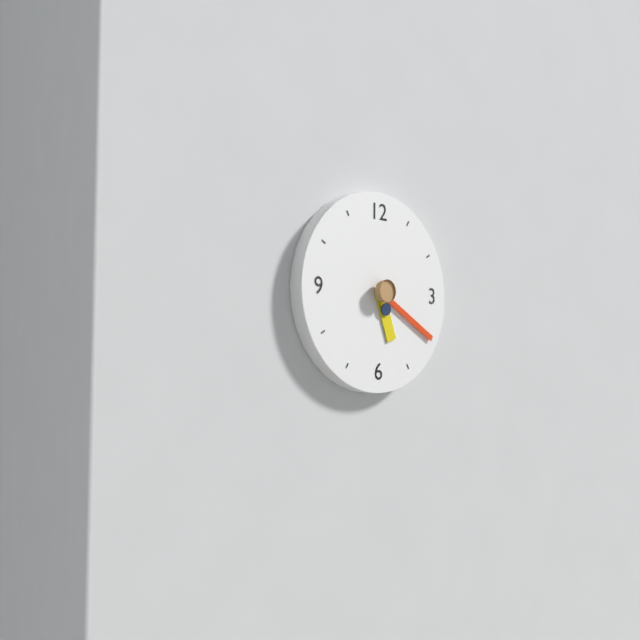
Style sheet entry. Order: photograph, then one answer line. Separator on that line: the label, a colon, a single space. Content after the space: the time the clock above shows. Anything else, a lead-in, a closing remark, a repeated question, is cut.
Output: 5:20
